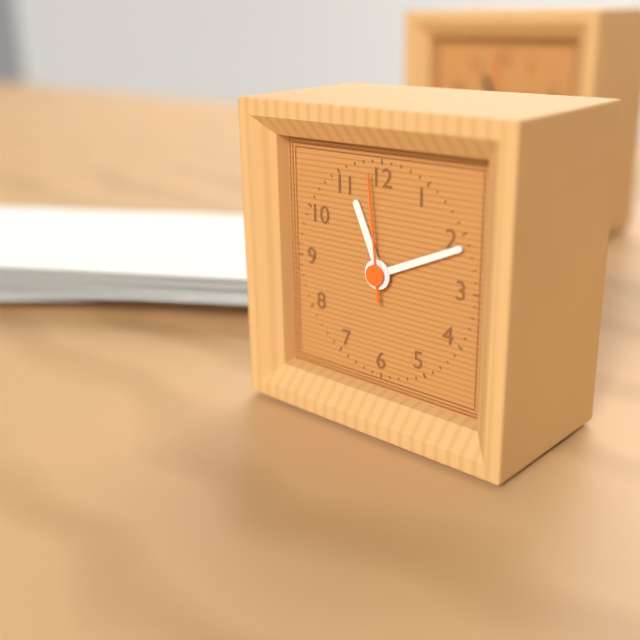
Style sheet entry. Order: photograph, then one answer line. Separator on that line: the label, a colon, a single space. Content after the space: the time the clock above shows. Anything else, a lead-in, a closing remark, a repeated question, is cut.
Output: 11:11:59
